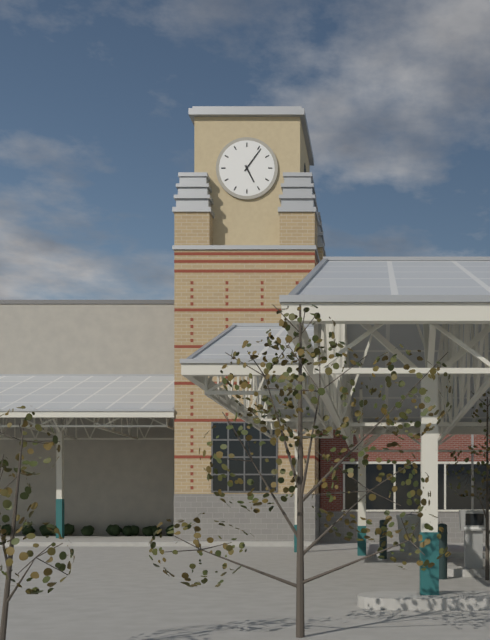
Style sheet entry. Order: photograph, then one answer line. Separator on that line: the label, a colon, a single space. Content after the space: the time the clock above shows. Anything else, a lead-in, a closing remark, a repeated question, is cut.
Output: 5:06
